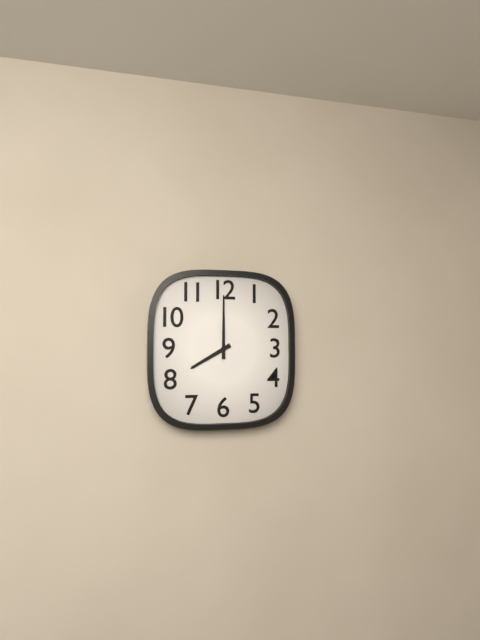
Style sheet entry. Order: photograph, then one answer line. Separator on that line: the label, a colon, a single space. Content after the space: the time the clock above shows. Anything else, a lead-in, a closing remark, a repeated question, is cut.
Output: 8:00
